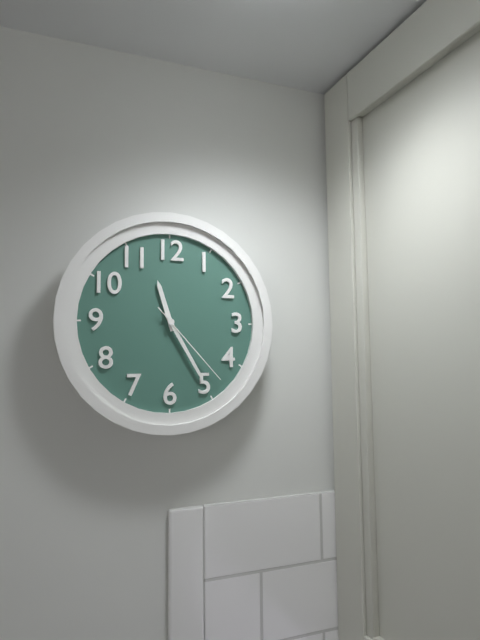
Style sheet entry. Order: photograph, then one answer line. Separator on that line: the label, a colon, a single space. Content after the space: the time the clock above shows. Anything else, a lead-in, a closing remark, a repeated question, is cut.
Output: 11:25:23
